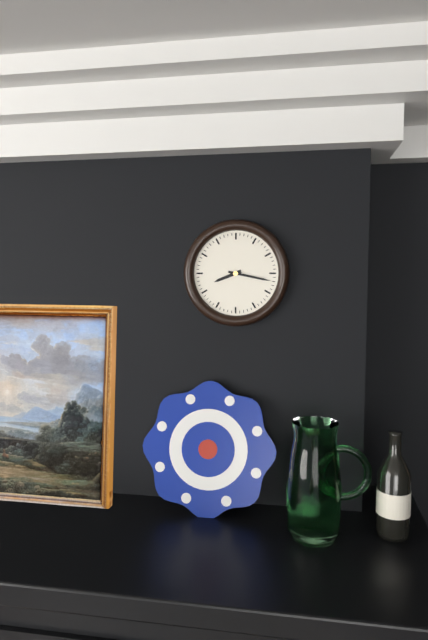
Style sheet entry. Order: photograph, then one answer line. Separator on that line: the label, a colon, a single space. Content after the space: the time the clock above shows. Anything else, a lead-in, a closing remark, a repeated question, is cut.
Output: 8:17
